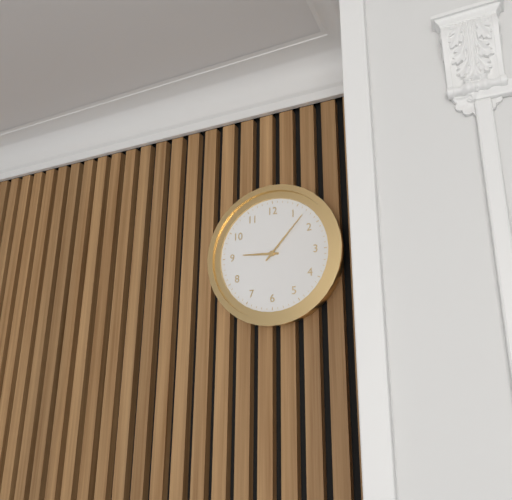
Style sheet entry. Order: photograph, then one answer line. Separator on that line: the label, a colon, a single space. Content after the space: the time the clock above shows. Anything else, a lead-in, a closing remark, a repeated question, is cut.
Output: 9:07
